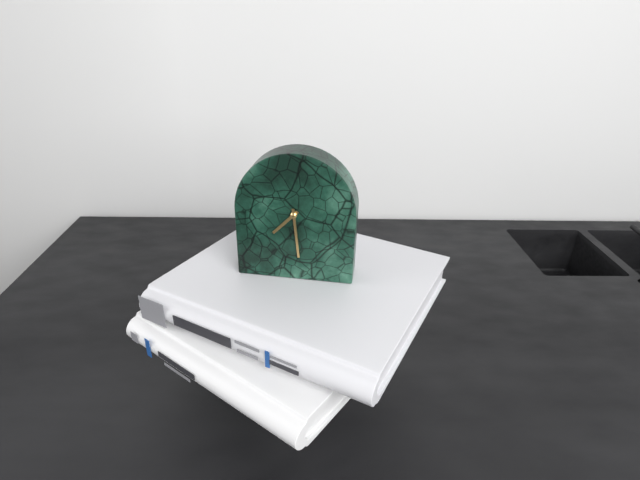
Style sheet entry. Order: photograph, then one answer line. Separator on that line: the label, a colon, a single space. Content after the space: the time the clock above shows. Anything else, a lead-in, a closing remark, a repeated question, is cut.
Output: 7:29
